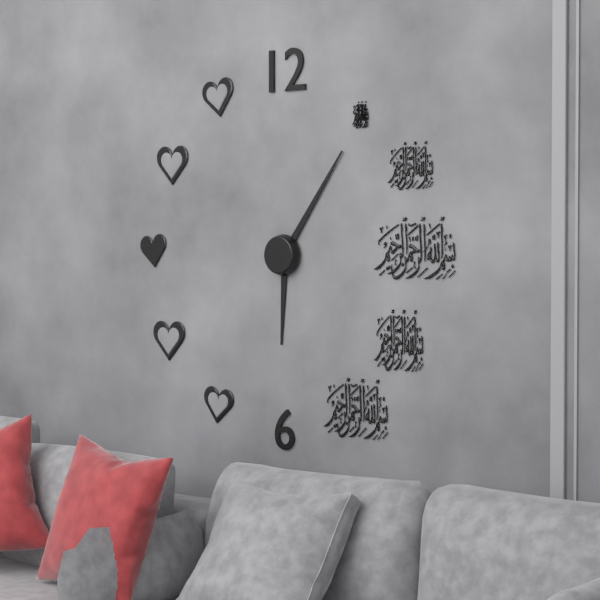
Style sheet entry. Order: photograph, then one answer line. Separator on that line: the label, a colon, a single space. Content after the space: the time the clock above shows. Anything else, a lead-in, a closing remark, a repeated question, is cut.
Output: 6:06
